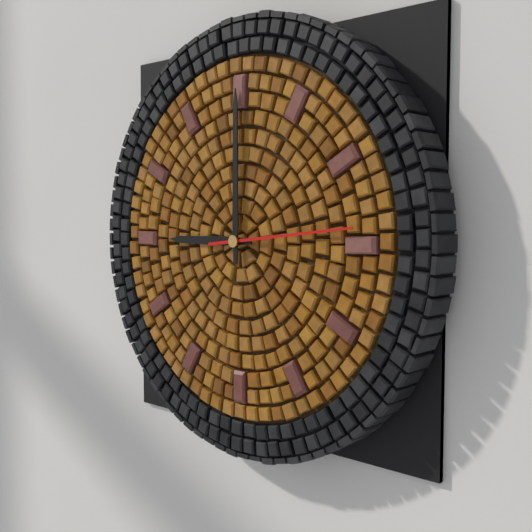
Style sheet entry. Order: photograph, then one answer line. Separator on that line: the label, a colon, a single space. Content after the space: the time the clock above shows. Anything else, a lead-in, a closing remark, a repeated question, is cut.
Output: 9:00:14
